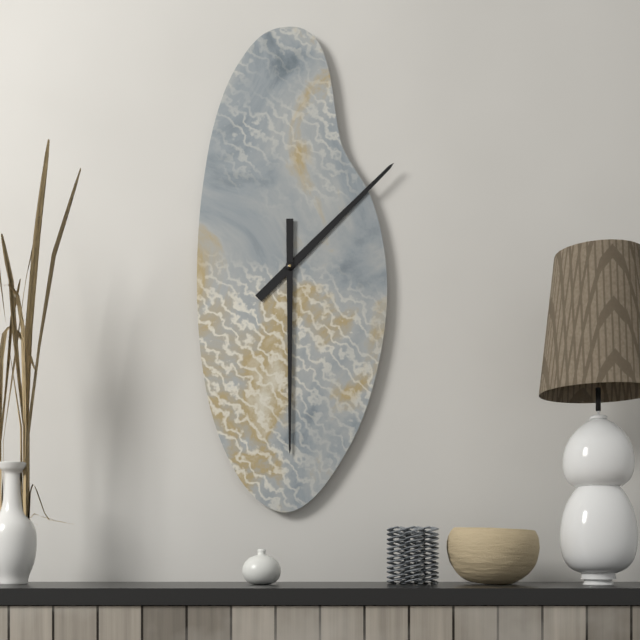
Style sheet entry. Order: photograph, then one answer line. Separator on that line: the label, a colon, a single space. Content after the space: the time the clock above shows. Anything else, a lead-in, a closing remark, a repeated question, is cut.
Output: 1:30
